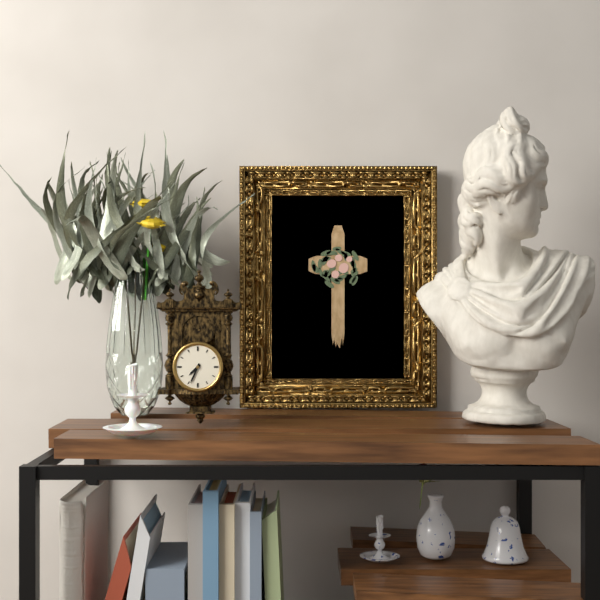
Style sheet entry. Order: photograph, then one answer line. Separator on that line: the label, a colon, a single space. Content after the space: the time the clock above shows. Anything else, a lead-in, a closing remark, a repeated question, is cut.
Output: 7:34
